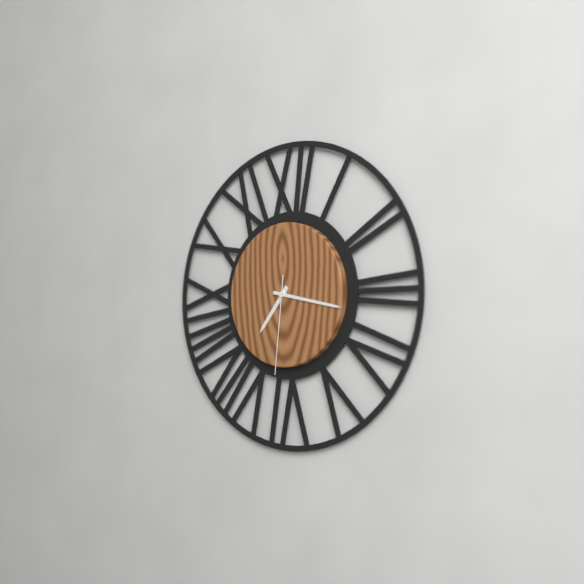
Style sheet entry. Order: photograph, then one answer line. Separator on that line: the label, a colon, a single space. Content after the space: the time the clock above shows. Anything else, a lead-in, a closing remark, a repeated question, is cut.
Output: 7:17:31
